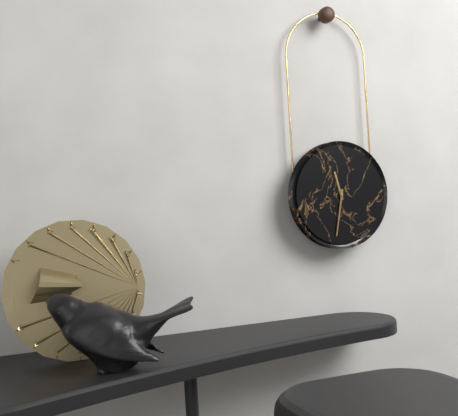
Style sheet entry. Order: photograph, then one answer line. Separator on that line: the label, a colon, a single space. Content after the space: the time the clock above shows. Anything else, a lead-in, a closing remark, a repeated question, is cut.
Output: 11:32
